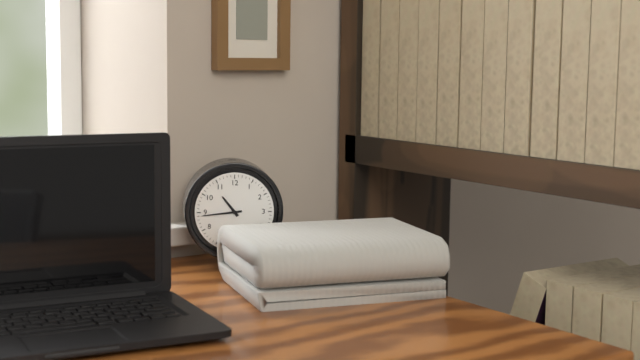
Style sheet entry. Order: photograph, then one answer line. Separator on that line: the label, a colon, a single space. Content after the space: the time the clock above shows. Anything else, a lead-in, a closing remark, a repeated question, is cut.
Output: 10:44
